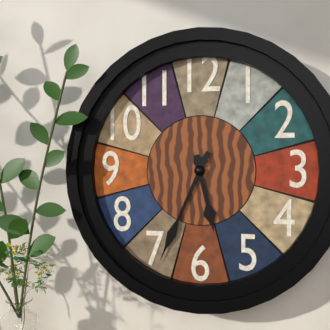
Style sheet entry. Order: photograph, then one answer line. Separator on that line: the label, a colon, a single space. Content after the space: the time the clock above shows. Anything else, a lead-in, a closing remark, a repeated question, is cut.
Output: 5:34
